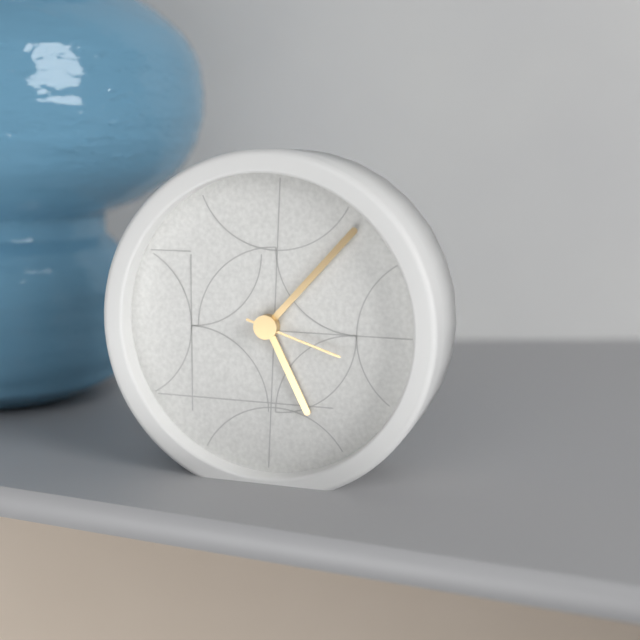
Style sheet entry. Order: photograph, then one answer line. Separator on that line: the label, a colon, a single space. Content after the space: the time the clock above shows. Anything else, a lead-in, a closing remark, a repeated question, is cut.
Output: 5:07:18
